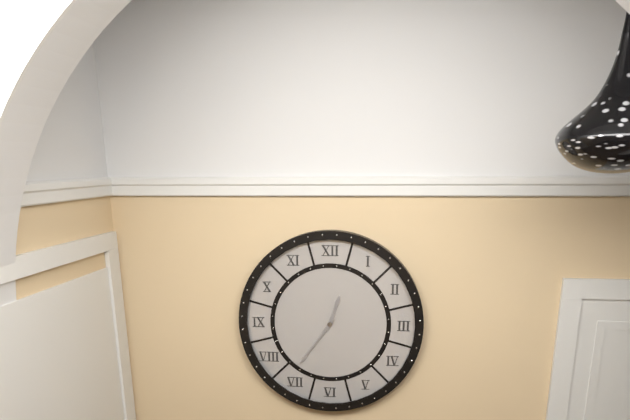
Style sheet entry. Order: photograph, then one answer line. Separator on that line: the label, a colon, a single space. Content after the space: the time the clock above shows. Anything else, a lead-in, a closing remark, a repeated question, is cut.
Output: 12:36
